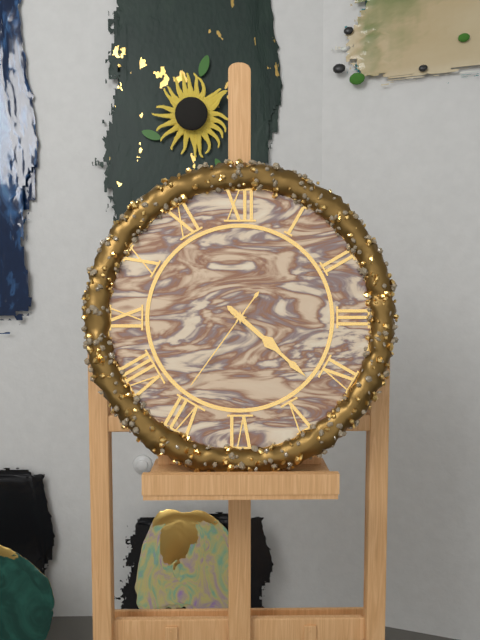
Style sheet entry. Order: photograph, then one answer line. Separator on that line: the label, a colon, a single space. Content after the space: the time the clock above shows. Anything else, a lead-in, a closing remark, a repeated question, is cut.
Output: 4:22:36
